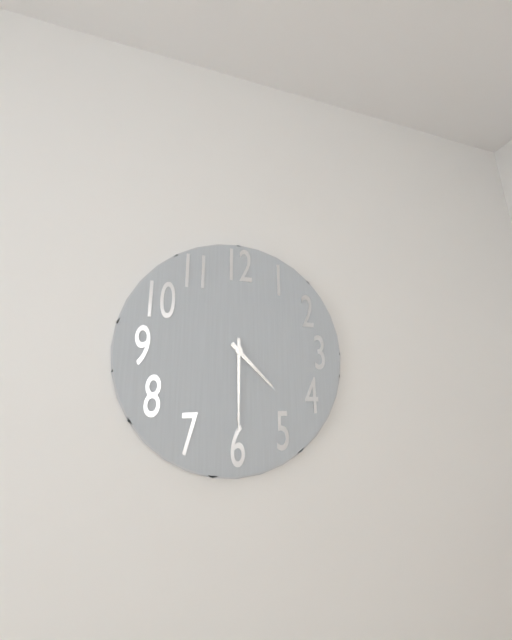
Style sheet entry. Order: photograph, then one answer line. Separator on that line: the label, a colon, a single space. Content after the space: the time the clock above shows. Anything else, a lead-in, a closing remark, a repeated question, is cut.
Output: 4:30
